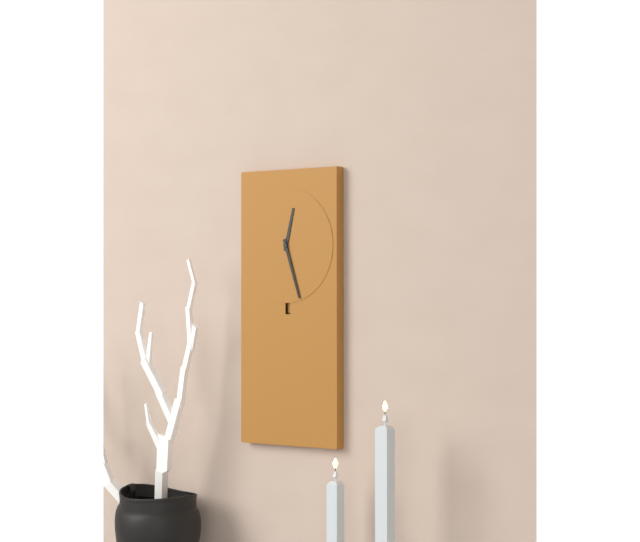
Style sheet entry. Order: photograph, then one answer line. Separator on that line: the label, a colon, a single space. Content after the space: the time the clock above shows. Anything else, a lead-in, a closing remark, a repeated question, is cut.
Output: 12:27
